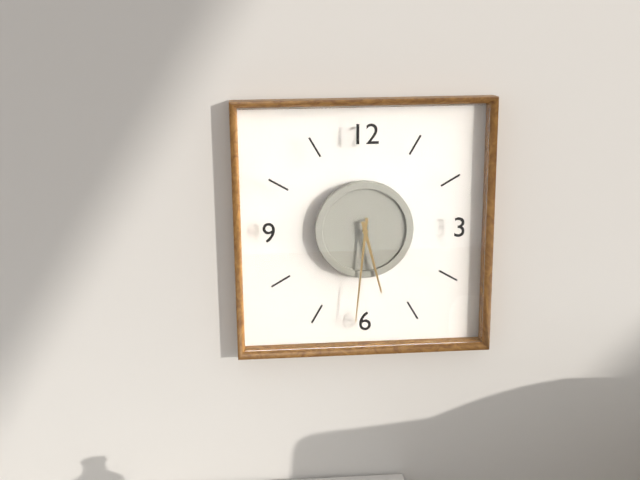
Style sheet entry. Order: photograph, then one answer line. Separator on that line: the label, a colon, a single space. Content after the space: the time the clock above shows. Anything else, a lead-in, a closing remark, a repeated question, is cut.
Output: 5:31
